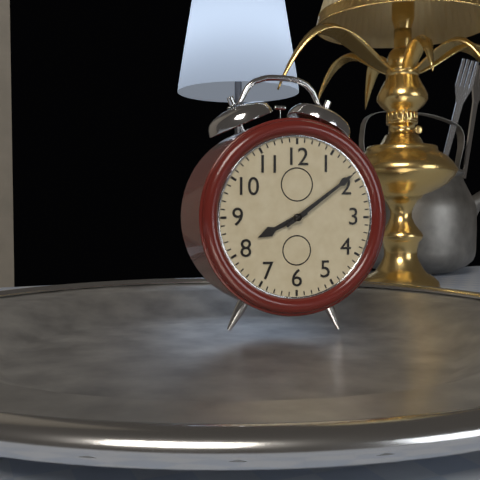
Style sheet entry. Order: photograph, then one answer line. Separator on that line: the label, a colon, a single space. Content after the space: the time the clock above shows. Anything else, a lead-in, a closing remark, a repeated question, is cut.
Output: 8:09
